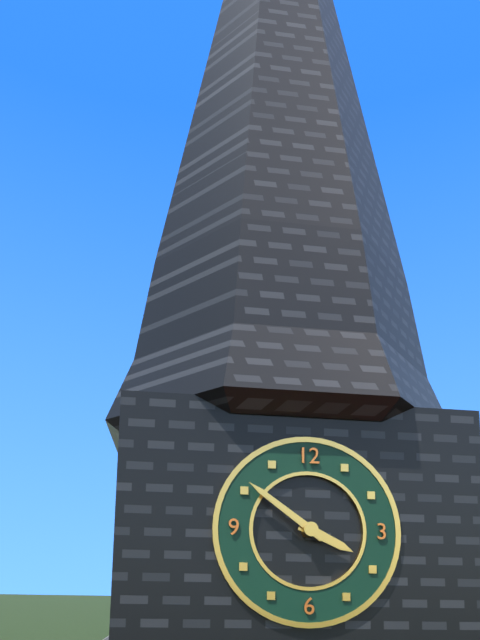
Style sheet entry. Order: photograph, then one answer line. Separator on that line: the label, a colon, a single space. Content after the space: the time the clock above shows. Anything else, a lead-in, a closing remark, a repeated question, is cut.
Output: 3:51
